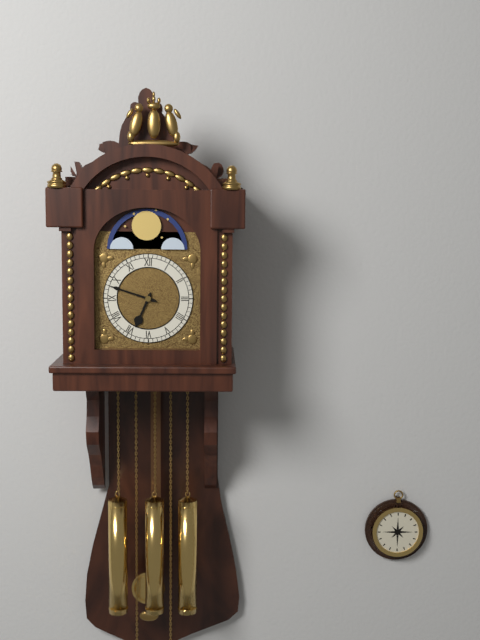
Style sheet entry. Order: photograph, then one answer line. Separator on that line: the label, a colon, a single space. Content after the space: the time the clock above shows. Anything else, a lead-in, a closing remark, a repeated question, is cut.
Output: 6:48
